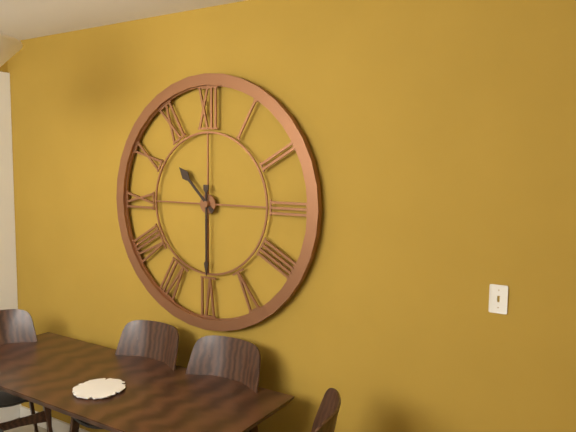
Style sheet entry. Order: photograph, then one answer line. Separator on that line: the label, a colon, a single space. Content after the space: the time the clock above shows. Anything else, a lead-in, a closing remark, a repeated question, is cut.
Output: 10:30
